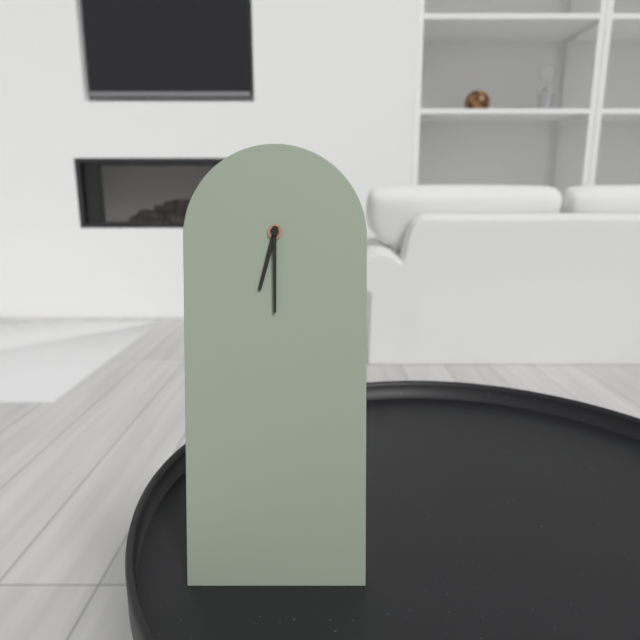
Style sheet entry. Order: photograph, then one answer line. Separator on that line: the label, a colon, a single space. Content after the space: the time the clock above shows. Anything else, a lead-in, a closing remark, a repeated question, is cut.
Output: 6:30
